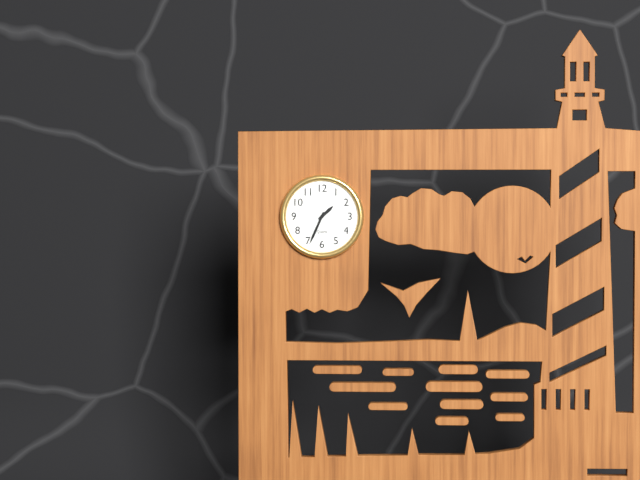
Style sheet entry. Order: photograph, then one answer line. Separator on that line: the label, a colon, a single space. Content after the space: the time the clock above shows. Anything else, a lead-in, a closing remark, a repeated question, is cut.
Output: 1:34
